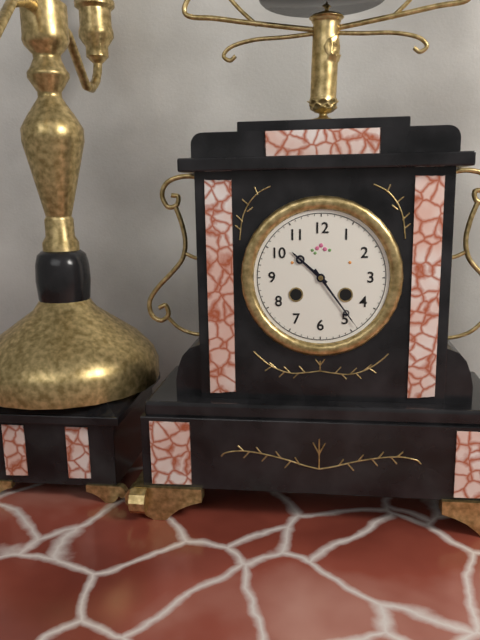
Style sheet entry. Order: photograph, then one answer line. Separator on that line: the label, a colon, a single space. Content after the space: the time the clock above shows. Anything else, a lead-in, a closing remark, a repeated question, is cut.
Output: 10:24
